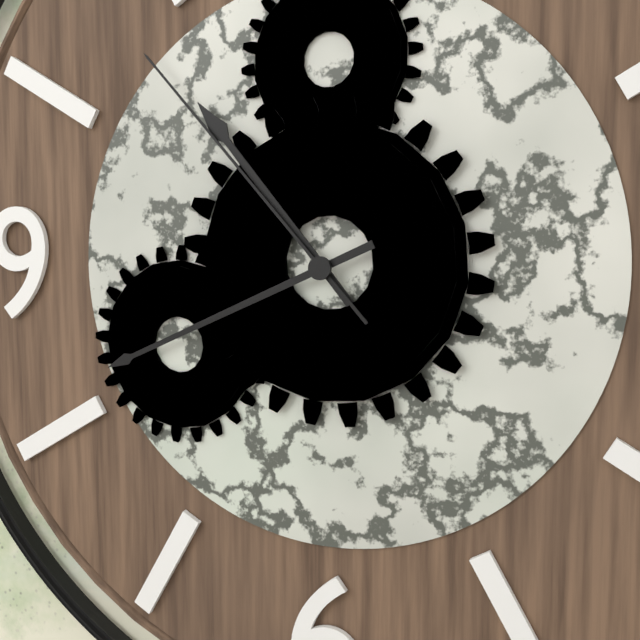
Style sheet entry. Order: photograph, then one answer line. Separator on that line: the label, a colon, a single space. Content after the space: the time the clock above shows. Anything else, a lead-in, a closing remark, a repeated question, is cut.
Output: 10:41:53
